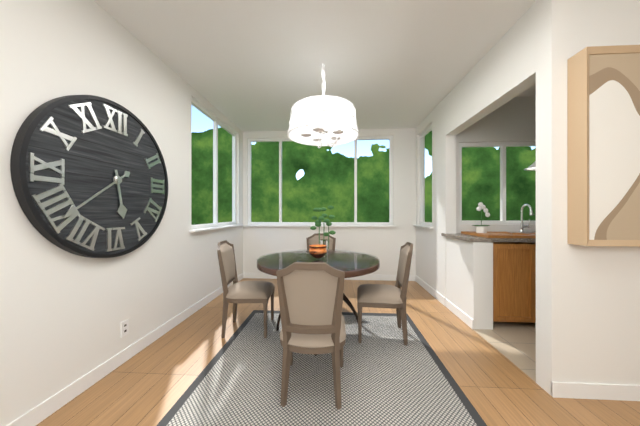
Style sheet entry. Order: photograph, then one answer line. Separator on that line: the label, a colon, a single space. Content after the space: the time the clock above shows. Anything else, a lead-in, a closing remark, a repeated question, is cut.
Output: 5:39
